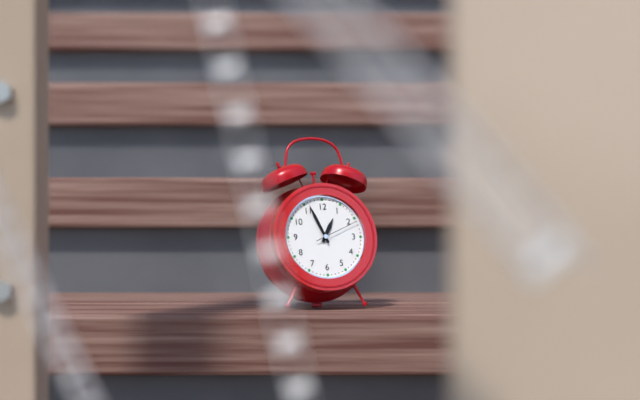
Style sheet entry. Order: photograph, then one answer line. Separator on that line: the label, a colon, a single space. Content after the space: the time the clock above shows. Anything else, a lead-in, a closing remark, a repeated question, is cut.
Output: 12:56
